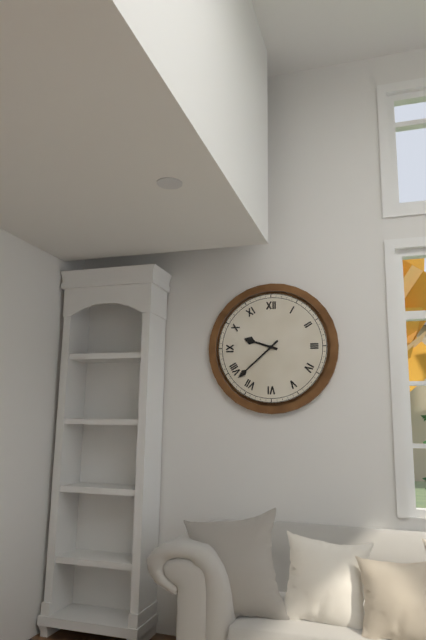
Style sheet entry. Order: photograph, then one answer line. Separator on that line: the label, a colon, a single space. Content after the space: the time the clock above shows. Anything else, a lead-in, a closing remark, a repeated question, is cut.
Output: 9:38
